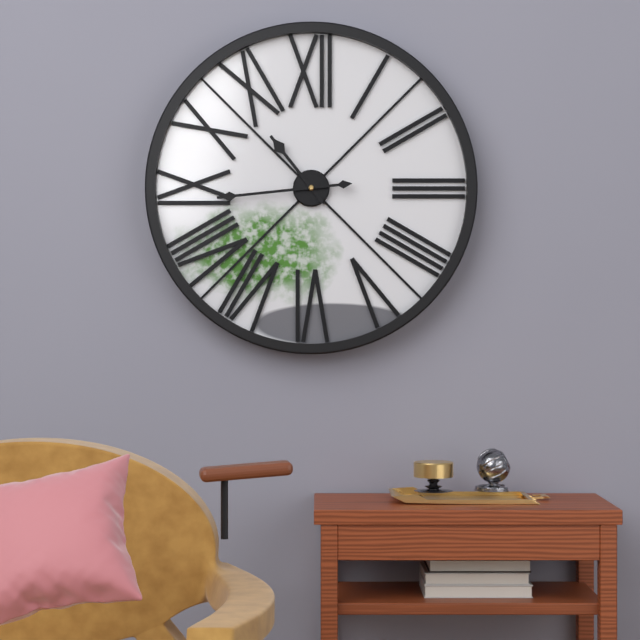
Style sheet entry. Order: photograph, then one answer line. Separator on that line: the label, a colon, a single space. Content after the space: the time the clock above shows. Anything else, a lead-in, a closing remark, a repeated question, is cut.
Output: 10:44
